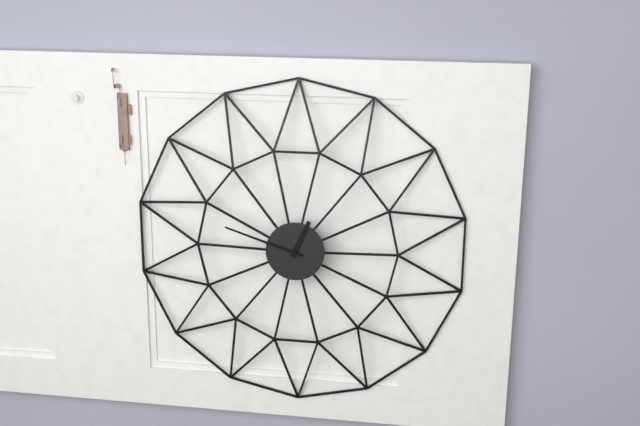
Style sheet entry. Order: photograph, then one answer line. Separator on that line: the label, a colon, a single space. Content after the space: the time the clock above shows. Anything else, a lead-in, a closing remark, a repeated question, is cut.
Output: 12:48
